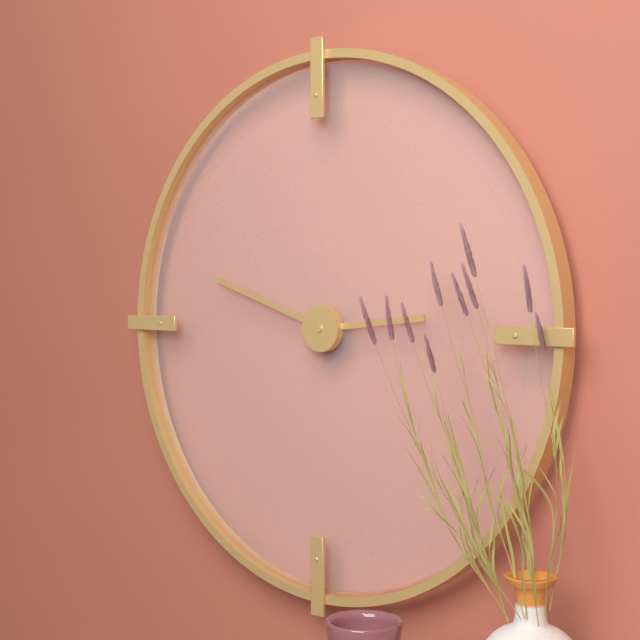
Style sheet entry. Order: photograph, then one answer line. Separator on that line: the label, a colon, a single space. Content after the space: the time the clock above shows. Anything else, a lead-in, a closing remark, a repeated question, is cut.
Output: 2:48
